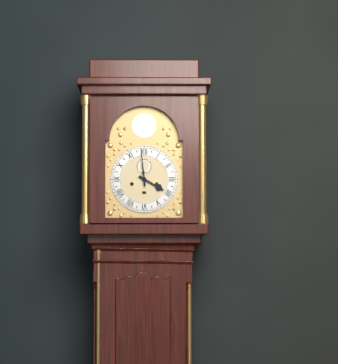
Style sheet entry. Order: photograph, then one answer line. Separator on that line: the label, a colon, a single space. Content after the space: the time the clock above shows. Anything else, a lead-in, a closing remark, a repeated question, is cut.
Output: 3:59
